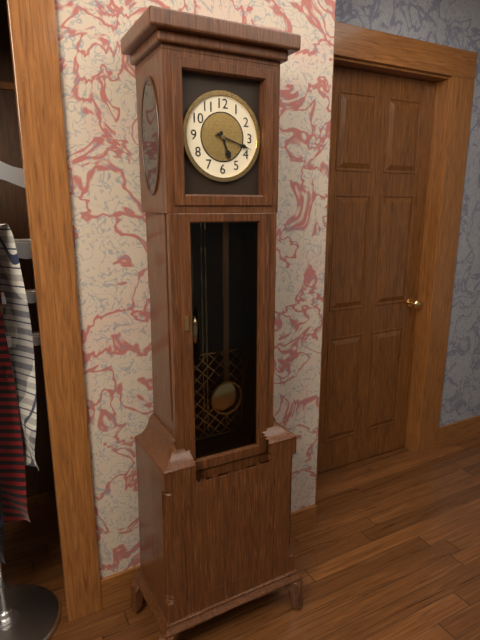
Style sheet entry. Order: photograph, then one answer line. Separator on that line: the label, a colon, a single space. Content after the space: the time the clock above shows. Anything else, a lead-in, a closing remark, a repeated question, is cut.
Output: 5:18
